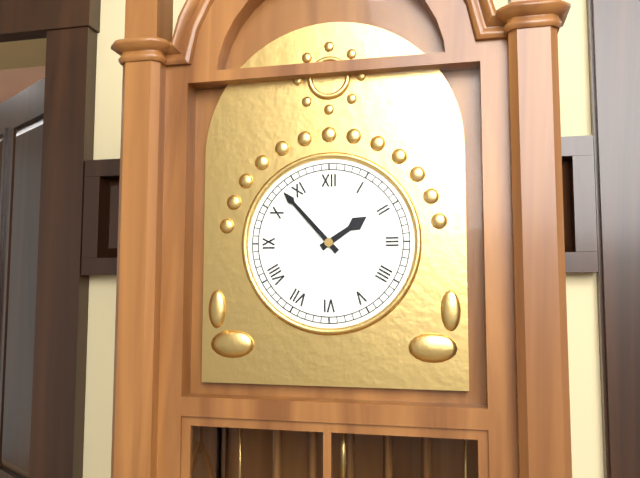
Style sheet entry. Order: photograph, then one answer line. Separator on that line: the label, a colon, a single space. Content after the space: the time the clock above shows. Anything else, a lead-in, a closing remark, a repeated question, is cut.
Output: 1:53
